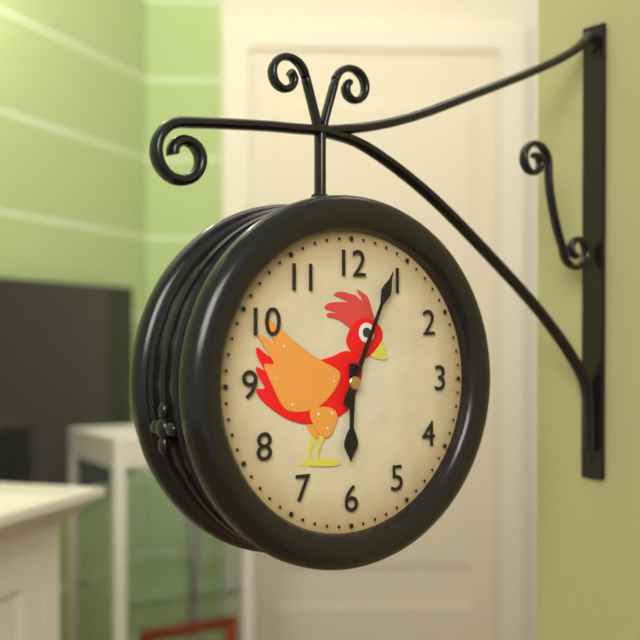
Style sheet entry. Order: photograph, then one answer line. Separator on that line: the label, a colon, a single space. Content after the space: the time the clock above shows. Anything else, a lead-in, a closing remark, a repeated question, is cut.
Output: 6:04
